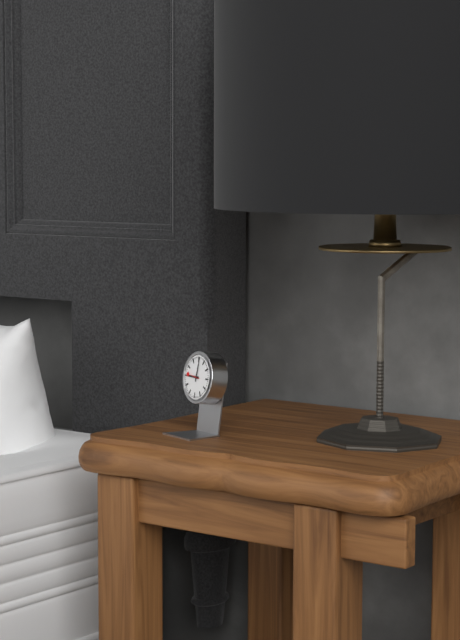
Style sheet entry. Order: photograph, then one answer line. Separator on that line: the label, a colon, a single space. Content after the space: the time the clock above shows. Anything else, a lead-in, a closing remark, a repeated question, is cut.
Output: 9:01
